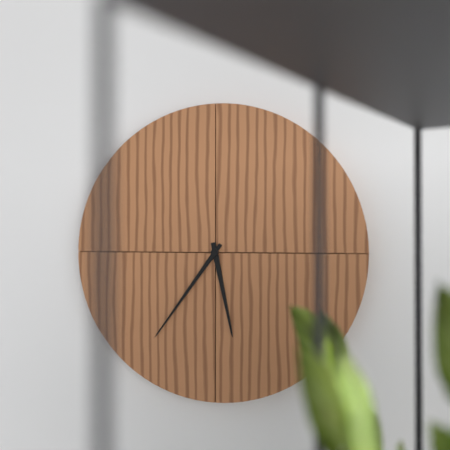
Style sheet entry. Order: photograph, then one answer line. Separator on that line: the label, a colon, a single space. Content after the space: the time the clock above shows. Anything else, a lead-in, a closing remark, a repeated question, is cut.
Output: 5:36
